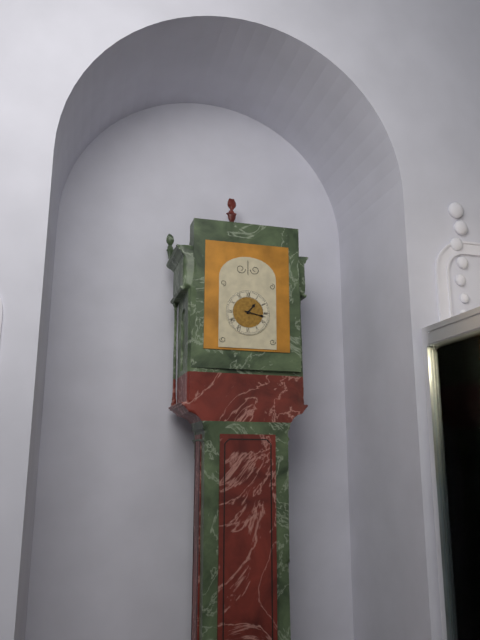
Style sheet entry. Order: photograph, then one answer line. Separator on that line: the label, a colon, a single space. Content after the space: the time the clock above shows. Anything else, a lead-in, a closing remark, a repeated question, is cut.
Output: 1:17
